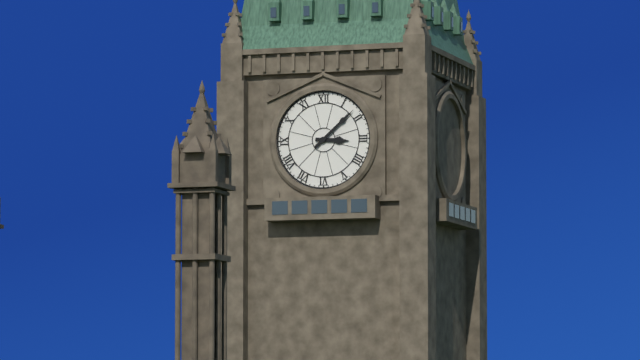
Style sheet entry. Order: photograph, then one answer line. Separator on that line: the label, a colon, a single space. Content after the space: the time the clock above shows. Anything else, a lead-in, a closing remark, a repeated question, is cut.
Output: 3:08
